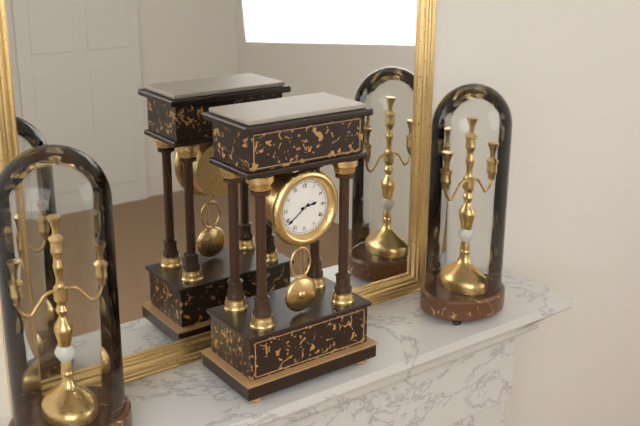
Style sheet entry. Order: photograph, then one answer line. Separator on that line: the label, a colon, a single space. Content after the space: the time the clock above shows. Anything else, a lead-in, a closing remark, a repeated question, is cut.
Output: 2:39
